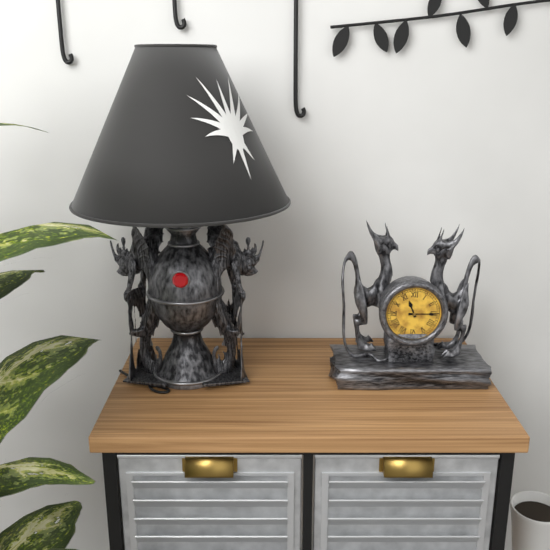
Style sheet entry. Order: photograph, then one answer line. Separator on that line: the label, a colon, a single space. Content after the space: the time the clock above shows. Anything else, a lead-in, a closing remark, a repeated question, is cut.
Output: 11:15
